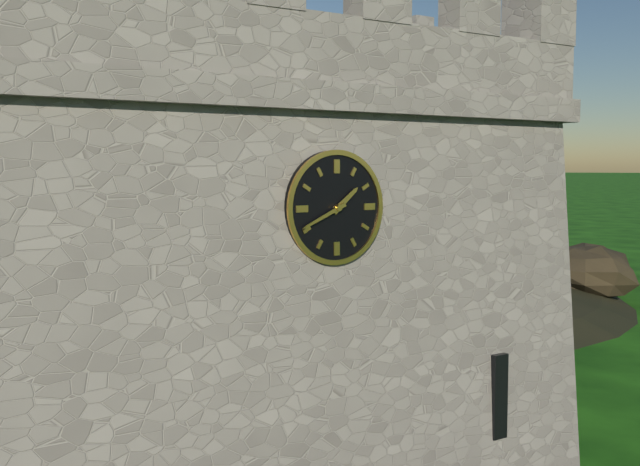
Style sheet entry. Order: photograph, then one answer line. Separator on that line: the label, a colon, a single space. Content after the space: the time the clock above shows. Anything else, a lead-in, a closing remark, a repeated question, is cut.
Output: 1:41
